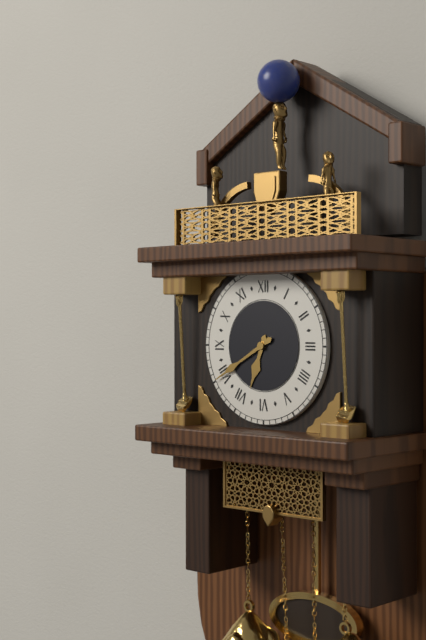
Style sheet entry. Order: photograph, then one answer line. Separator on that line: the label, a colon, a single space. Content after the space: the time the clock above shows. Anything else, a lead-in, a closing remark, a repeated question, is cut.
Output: 6:40
